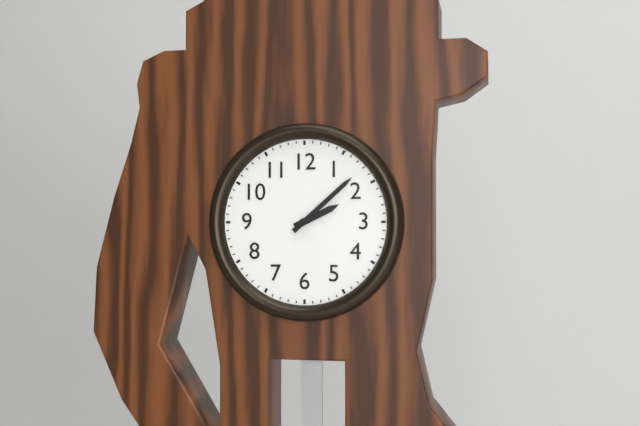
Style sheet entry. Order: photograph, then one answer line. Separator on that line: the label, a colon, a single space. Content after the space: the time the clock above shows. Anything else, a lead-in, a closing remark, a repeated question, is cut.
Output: 2:08
